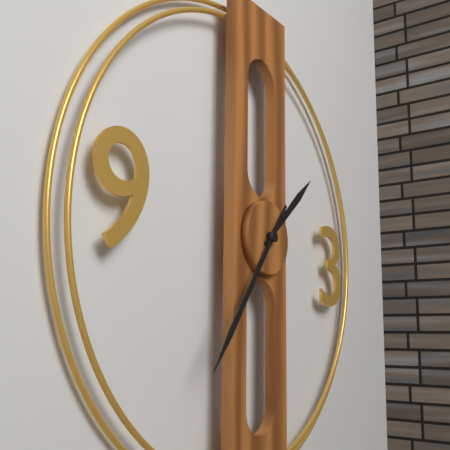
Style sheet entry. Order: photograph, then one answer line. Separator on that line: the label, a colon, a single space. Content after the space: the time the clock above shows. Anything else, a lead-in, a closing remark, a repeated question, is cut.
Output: 1:36
